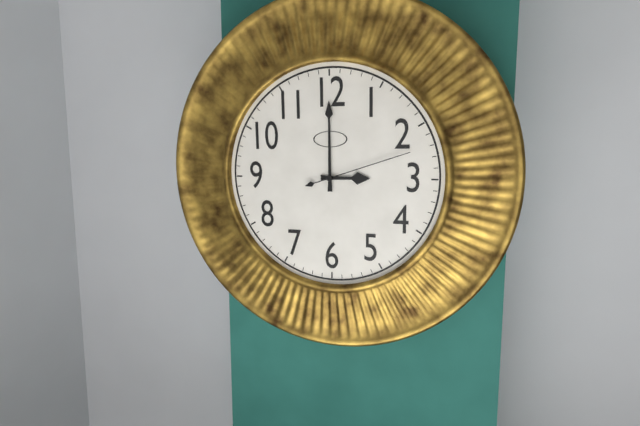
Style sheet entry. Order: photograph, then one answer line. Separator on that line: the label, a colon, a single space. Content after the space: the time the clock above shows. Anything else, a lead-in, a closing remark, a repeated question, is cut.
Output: 3:00:12
